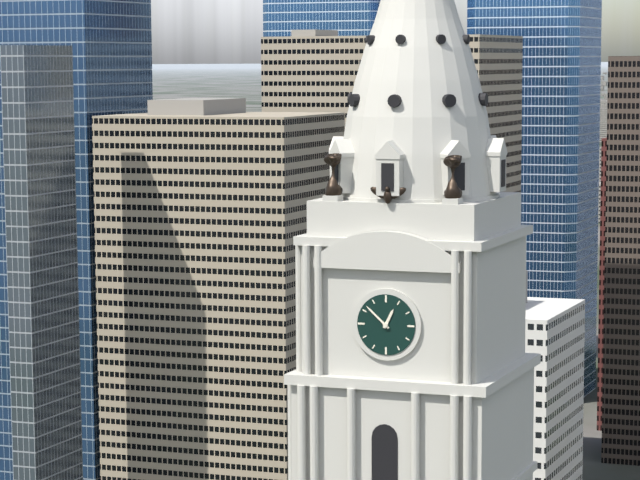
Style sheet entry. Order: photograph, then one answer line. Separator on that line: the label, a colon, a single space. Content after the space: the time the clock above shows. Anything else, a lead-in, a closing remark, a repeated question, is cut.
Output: 12:52
